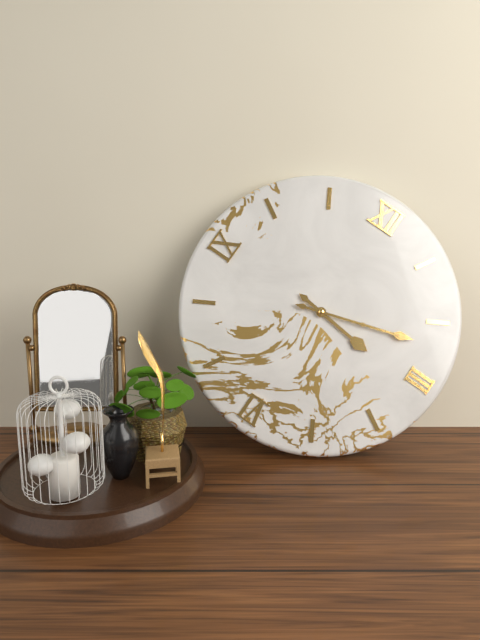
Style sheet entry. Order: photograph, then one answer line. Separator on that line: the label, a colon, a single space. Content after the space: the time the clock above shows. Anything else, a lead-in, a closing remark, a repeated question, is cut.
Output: 3:12
